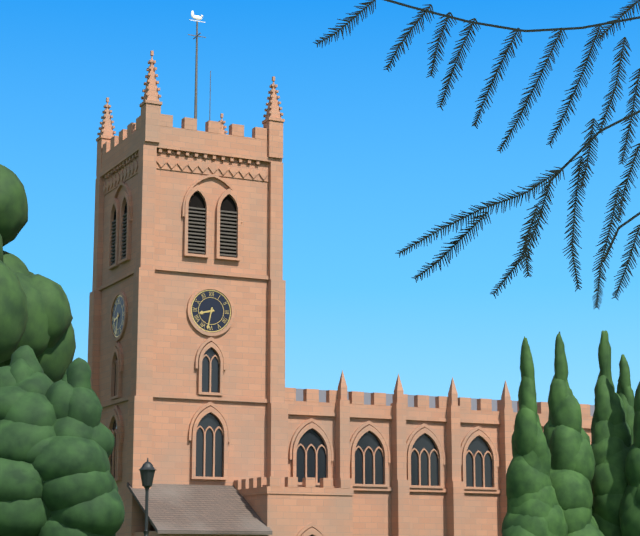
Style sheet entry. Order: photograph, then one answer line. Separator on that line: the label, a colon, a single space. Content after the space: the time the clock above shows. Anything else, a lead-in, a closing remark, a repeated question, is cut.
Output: 8:32
